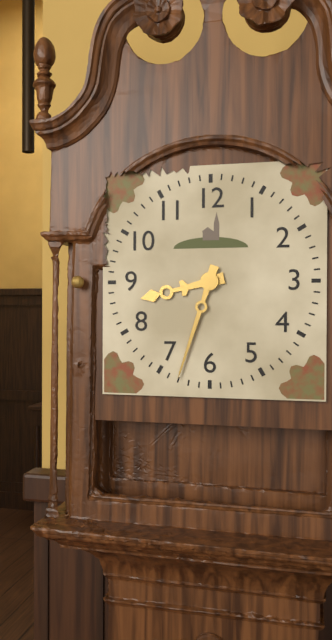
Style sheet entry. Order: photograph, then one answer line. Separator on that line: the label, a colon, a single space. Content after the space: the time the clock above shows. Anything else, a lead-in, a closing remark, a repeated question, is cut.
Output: 8:33
